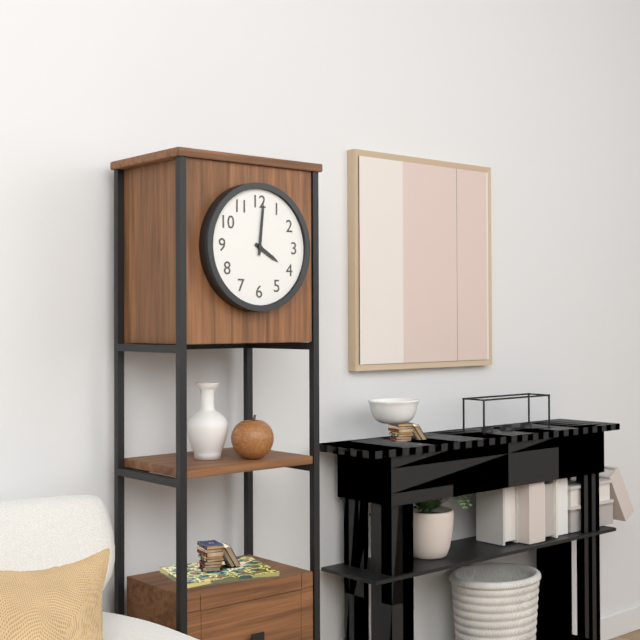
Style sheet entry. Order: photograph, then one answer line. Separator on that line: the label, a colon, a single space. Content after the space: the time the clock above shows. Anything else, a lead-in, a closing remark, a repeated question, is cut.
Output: 4:01
